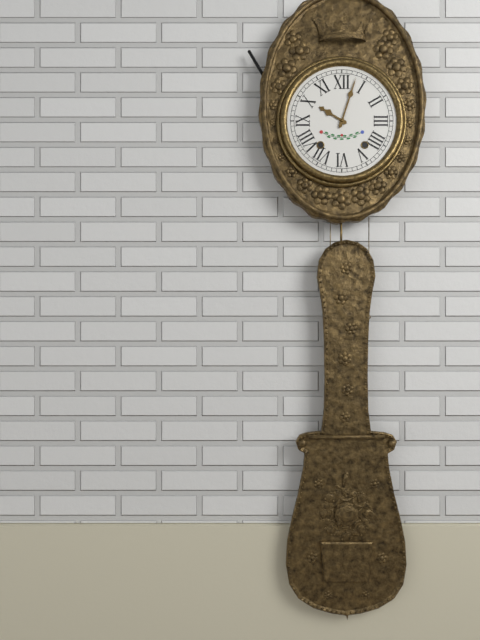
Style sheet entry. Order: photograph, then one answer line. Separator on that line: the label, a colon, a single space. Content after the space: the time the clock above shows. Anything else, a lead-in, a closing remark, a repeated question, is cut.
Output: 10:03
